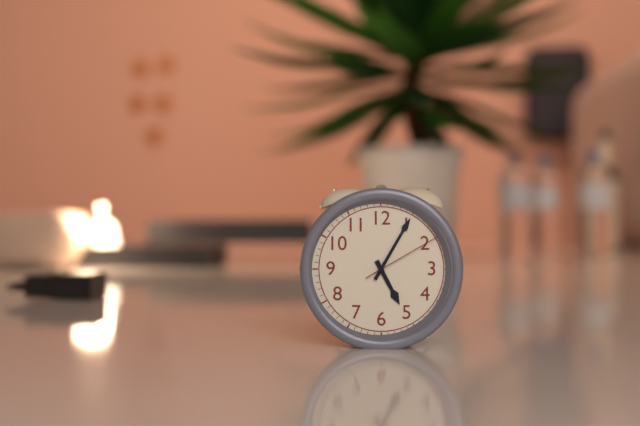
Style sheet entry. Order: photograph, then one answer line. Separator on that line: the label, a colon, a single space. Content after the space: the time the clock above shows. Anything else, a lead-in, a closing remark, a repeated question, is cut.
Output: 5:05:10
